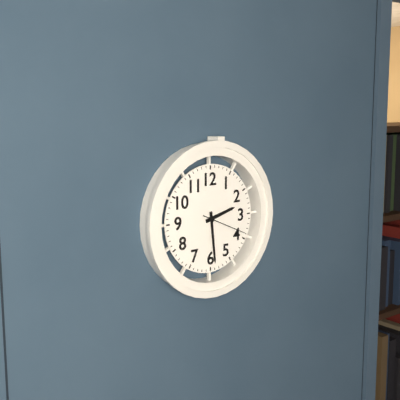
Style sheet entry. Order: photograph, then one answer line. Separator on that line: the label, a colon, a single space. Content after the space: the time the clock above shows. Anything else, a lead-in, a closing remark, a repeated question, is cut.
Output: 2:29
